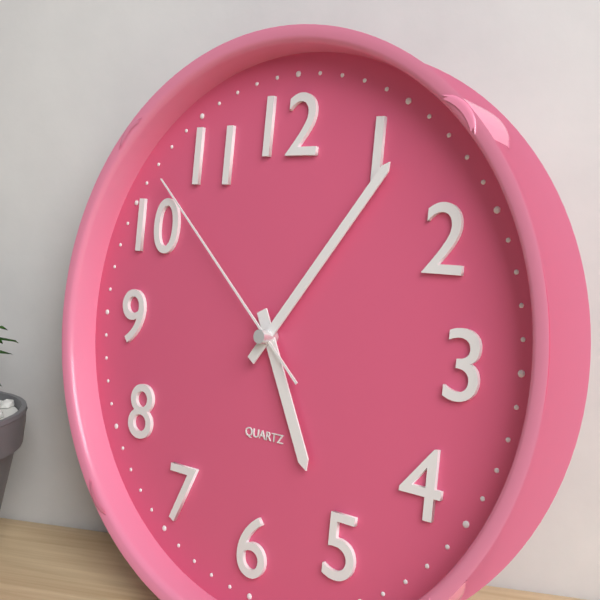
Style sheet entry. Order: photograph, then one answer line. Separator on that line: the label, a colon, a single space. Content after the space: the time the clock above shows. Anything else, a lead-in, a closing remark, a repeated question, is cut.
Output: 5:06:52
